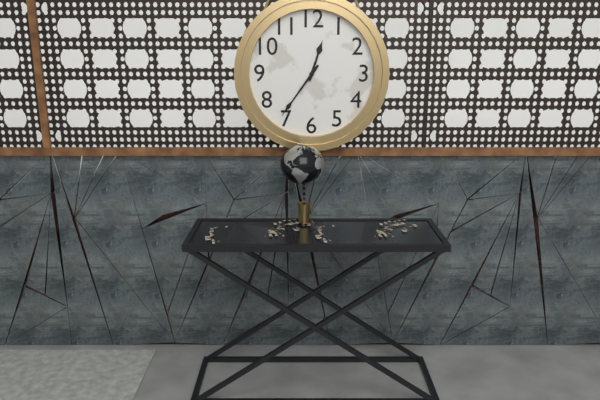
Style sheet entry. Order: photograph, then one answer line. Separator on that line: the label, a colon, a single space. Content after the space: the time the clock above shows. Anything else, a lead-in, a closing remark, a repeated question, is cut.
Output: 12:36
